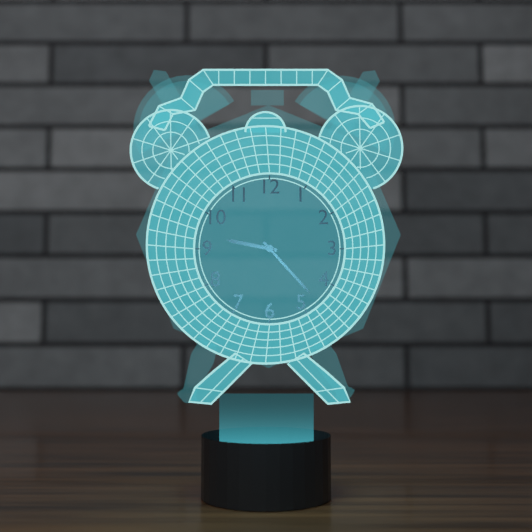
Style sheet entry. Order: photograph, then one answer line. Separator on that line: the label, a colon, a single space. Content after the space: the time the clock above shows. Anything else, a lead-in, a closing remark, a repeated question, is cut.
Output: 9:23
